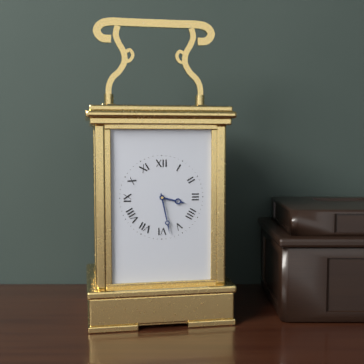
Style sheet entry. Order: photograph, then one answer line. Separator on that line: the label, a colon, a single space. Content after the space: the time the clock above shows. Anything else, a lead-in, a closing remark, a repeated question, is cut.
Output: 3:28
